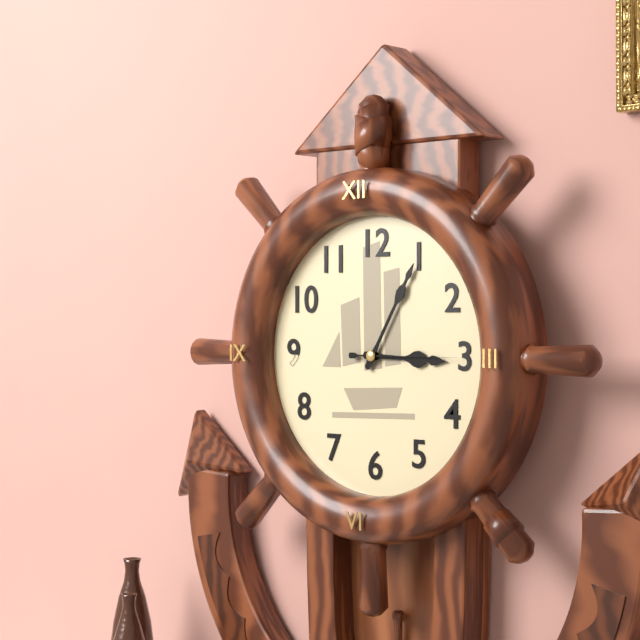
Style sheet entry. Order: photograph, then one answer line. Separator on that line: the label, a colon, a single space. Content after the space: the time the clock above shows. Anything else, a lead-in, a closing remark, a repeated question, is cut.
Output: 3:05:15
